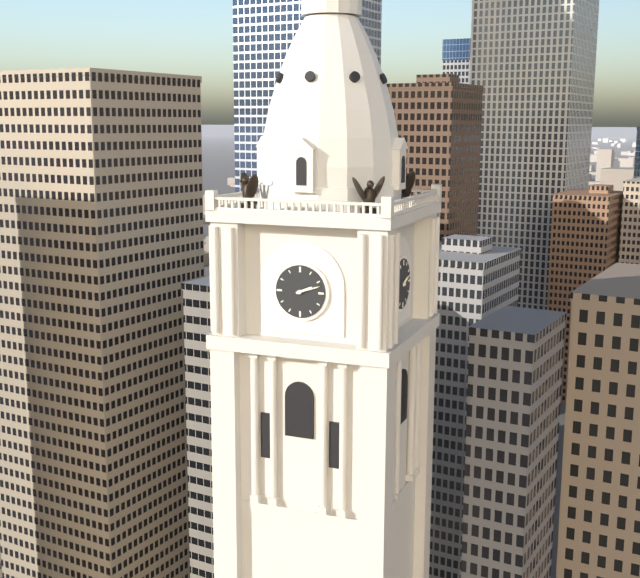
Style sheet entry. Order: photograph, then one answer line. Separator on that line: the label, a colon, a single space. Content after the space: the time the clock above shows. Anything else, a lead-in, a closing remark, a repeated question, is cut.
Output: 2:12
